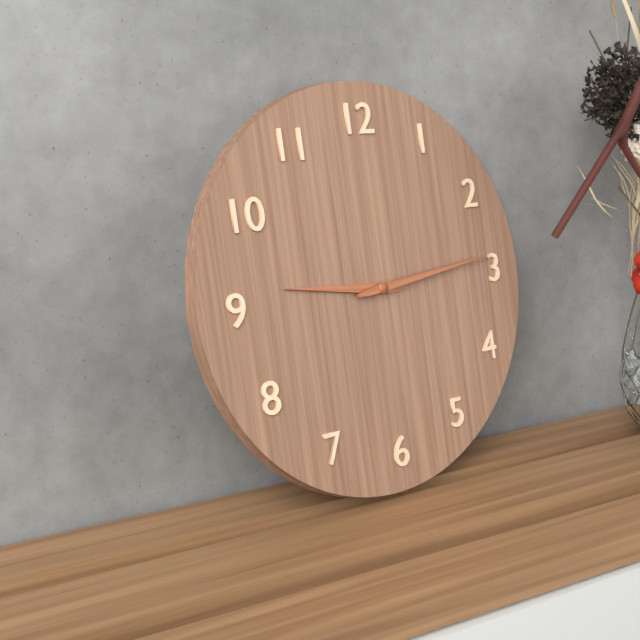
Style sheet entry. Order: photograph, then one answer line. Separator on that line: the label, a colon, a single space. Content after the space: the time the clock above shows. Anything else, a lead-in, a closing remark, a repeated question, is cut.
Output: 9:14
